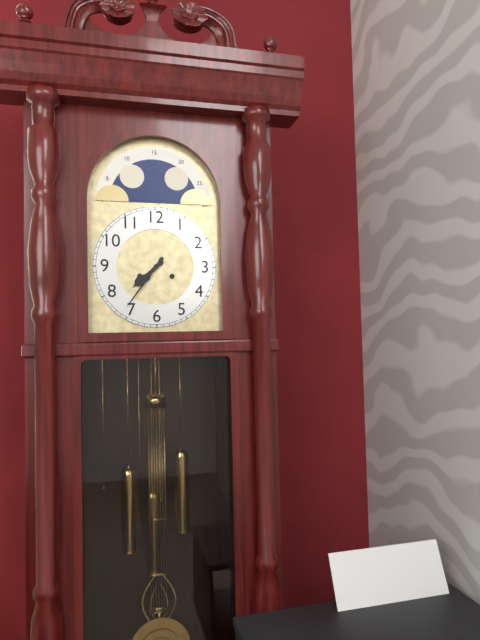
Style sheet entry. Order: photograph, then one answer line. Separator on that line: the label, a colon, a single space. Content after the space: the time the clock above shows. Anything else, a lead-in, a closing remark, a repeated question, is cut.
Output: 7:36
